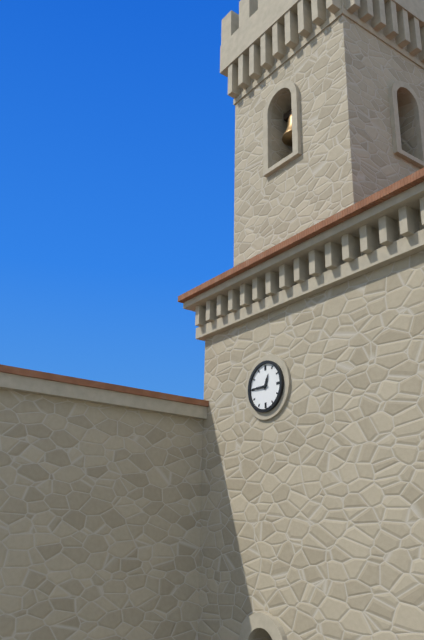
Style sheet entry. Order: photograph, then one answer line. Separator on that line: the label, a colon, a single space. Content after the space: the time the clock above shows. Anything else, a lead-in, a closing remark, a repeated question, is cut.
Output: 12:45
